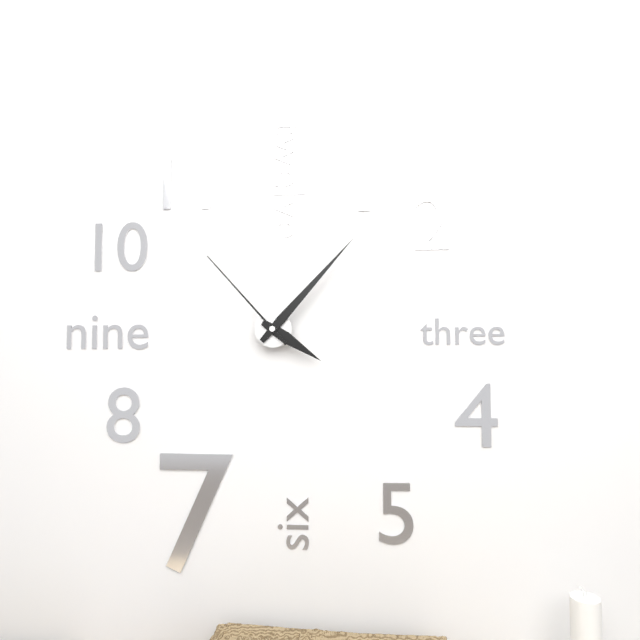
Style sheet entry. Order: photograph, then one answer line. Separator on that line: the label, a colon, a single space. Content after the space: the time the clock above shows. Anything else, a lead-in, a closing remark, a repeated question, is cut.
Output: 4:07:53
